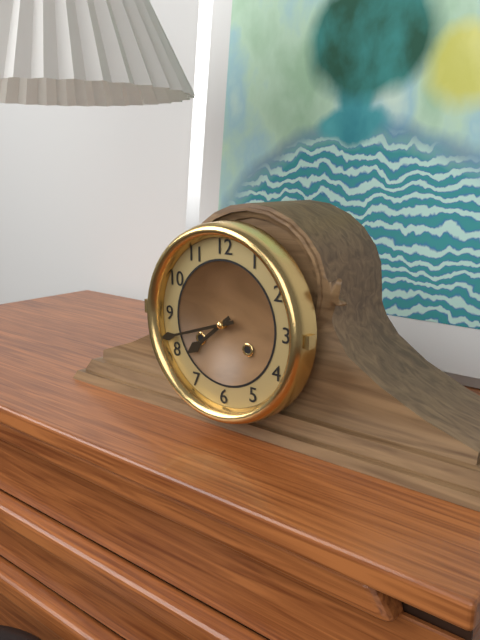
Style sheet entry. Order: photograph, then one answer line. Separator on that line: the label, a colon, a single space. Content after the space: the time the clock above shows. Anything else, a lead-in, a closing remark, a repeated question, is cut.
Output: 7:42
